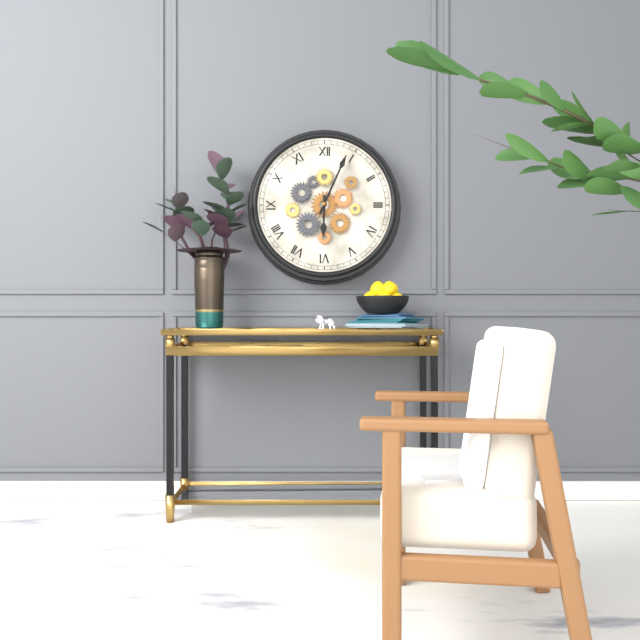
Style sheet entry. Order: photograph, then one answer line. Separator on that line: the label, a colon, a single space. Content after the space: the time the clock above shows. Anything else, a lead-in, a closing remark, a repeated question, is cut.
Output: 6:04
